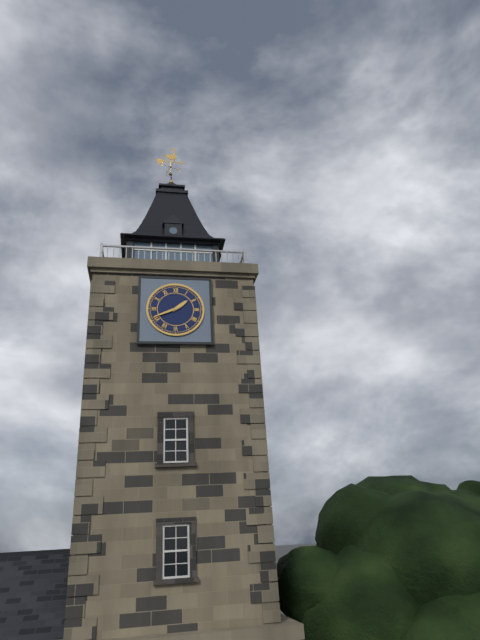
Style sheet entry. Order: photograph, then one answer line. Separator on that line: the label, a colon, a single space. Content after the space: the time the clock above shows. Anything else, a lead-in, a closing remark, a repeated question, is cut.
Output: 1:41
